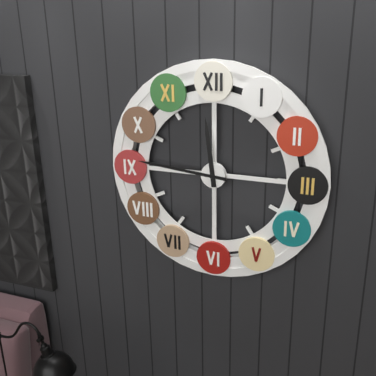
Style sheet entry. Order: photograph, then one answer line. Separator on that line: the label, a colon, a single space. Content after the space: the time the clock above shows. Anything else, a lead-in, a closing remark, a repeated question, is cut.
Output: 11:46
